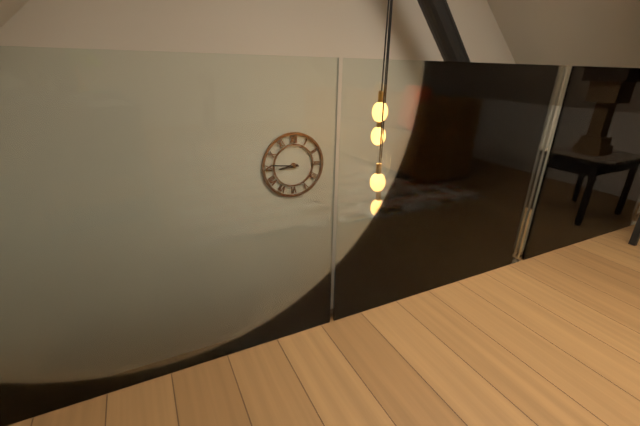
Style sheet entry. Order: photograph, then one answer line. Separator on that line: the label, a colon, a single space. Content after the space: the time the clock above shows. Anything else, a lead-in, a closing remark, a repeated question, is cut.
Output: 8:46
